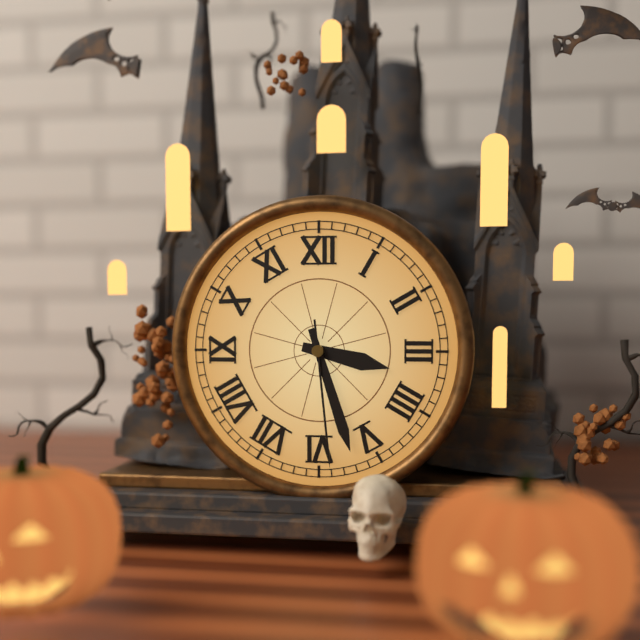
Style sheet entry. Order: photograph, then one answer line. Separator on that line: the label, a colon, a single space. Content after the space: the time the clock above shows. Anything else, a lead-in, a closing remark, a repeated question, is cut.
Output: 3:27:29
